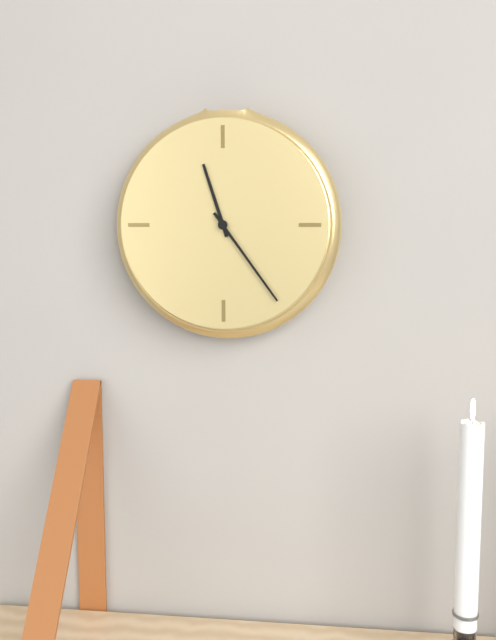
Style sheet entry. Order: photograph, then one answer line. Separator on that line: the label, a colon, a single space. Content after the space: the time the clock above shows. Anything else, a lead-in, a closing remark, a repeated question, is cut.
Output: 11:24
